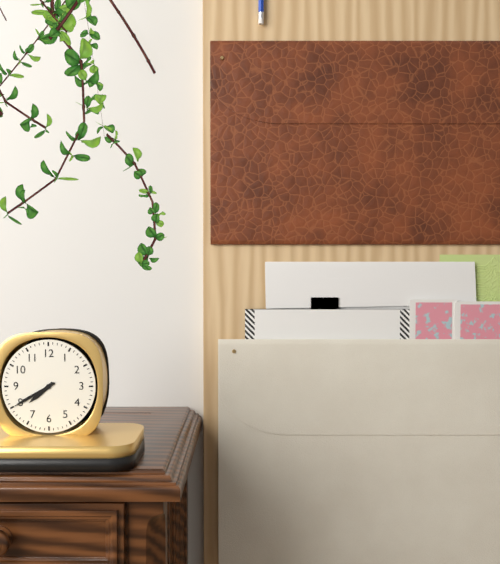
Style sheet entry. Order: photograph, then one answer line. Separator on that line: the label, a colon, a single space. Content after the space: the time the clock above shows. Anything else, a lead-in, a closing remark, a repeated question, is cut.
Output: 7:40
